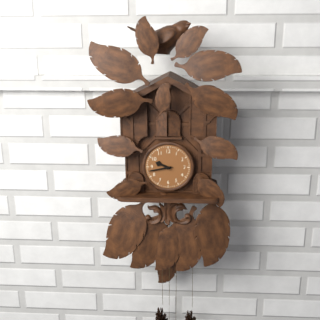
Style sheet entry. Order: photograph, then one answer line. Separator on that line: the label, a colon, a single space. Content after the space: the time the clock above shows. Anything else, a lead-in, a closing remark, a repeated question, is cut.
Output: 9:43
